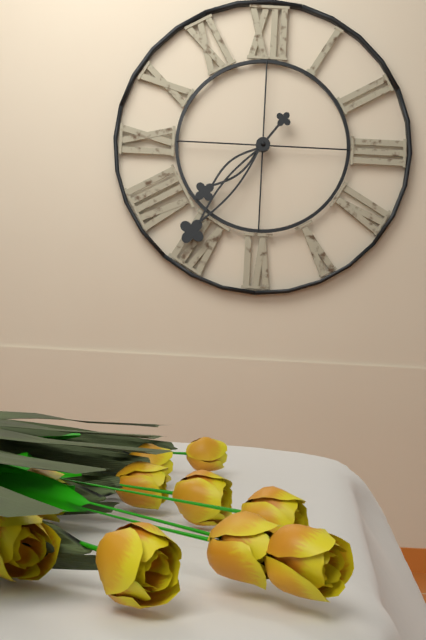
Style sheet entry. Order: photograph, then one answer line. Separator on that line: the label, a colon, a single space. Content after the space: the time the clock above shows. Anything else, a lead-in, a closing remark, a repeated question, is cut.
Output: 7:36
